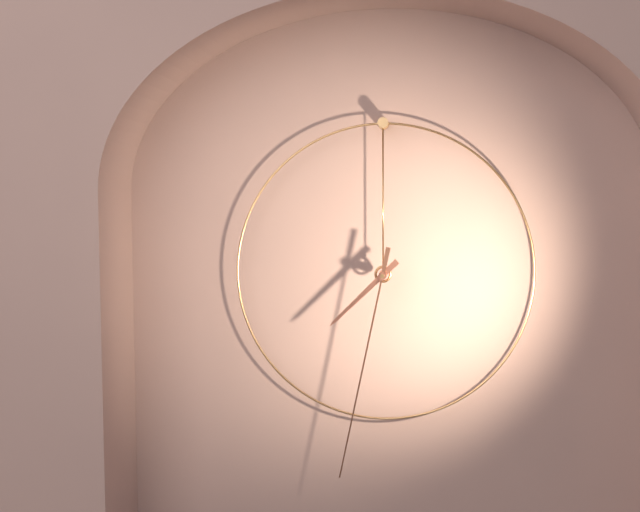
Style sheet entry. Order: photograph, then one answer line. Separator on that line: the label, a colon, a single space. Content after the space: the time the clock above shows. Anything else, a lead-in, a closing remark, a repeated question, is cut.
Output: 7:32
